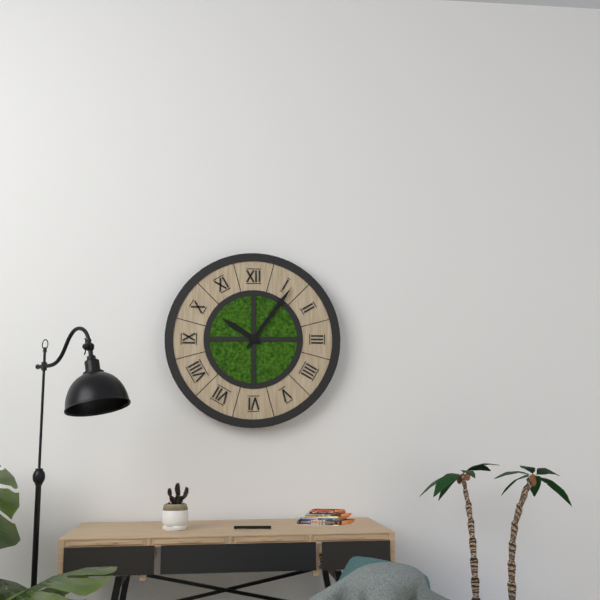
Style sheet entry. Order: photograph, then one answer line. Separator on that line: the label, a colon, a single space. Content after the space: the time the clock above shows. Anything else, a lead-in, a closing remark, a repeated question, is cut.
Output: 10:06
